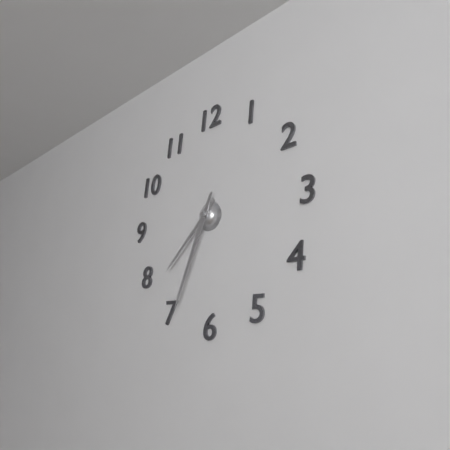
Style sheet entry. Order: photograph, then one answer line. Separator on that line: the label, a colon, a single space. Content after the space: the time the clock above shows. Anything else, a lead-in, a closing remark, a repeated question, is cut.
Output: 7:34
